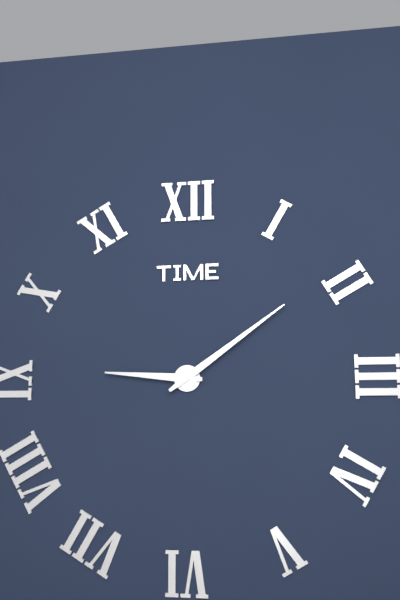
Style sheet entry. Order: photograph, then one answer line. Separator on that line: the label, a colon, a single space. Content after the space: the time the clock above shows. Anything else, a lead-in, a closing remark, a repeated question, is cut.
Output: 9:09
